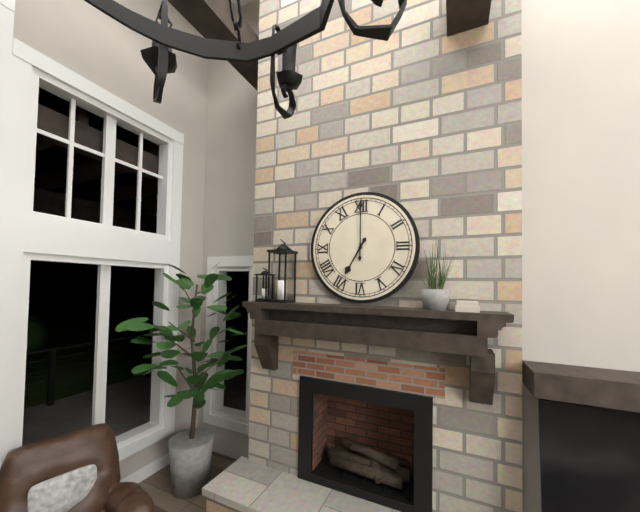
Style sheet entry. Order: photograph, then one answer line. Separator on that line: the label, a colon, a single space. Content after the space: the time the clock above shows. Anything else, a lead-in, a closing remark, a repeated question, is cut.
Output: 7:00
